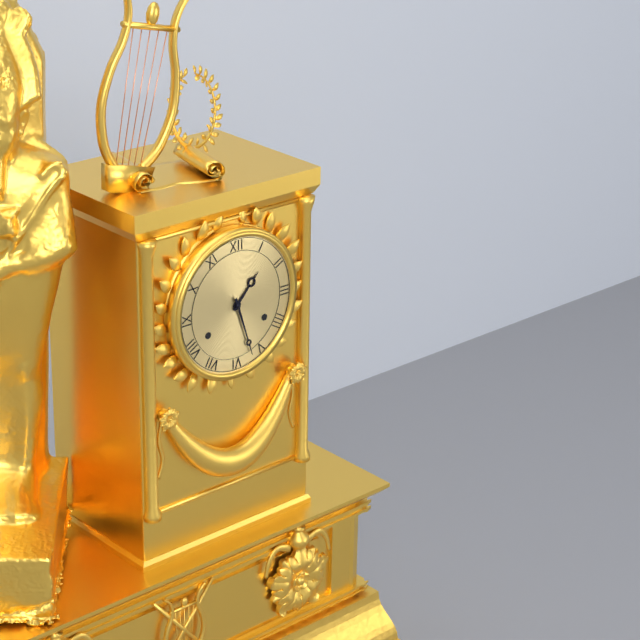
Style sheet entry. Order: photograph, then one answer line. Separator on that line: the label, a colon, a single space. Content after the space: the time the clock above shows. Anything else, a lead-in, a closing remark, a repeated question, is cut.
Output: 1:27
